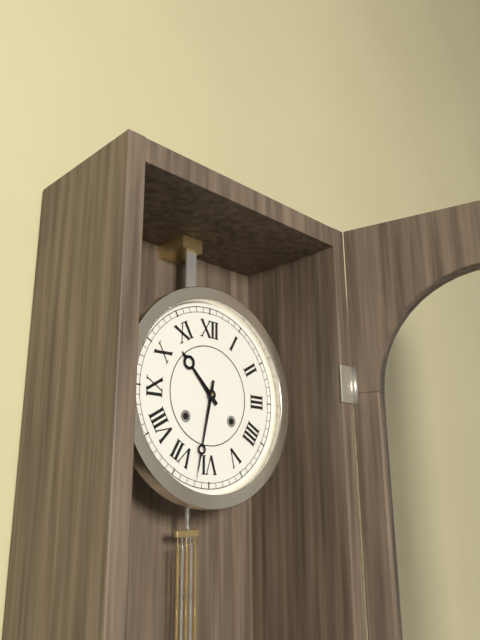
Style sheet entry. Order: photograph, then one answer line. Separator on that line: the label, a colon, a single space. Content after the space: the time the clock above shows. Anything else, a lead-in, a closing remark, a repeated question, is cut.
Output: 10:32
